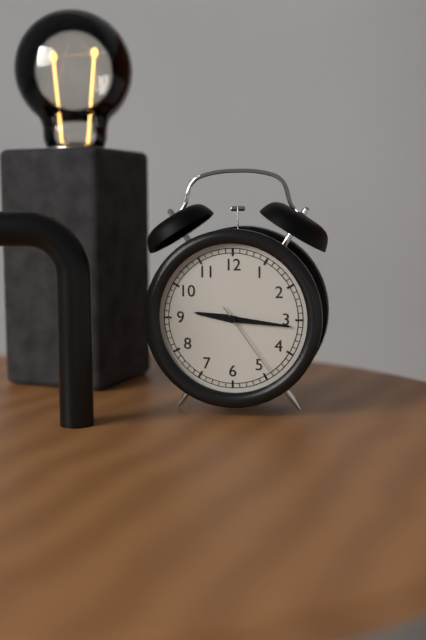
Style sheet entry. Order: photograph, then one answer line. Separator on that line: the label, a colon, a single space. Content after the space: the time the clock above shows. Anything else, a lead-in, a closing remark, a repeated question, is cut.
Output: 9:16:24
